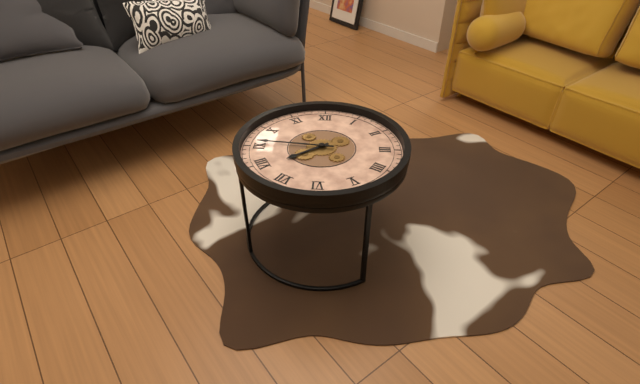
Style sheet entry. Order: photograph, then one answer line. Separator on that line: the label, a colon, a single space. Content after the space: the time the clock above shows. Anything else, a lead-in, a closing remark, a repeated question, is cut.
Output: 7:46
